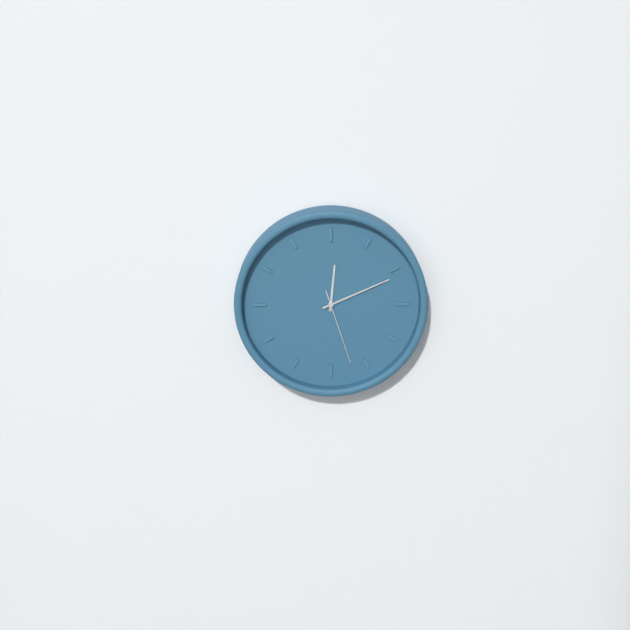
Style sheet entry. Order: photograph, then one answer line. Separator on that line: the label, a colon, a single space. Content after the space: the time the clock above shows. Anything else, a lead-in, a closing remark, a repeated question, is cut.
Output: 12:11:27
